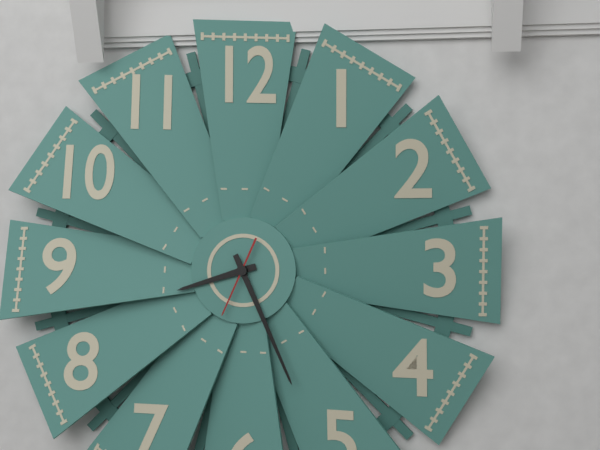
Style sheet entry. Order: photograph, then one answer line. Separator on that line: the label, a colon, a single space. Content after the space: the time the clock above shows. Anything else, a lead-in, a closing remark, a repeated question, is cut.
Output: 8:26:34
